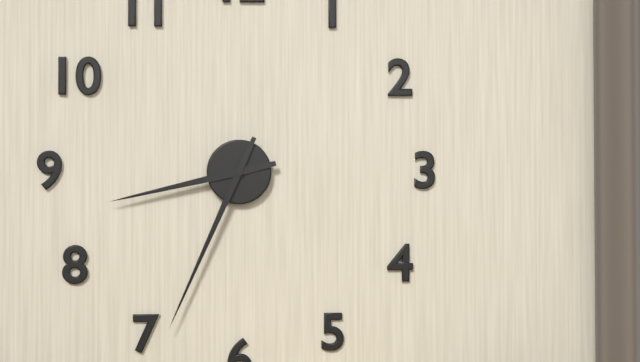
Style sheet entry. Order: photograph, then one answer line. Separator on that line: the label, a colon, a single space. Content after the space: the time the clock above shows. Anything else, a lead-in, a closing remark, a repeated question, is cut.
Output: 8:34
